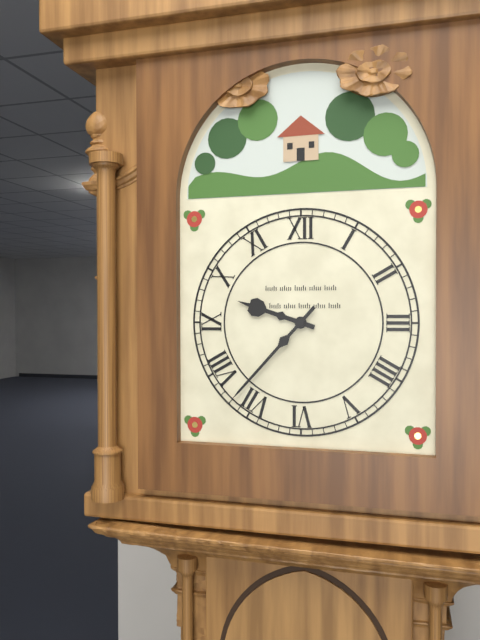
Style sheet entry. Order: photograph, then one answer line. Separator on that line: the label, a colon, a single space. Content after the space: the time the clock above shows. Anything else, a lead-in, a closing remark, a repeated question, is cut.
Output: 9:37
